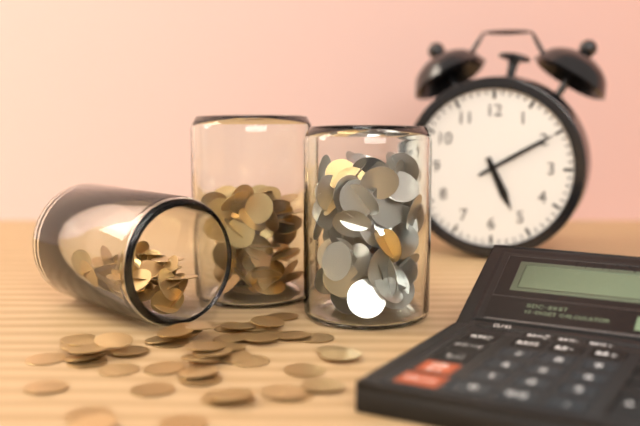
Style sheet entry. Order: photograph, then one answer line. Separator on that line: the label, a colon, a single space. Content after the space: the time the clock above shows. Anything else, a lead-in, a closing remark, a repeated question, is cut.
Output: 5:10
